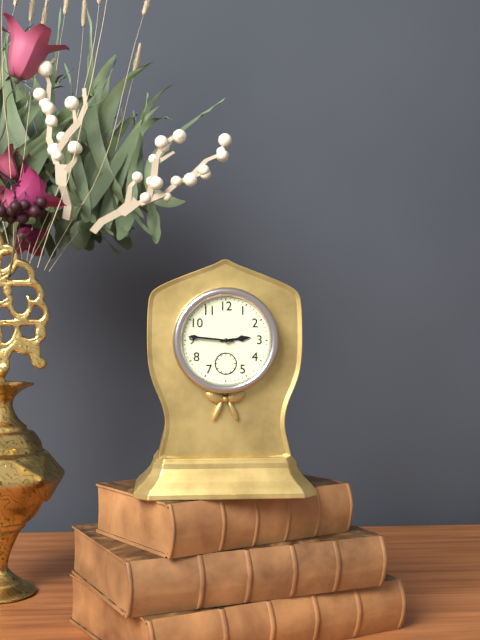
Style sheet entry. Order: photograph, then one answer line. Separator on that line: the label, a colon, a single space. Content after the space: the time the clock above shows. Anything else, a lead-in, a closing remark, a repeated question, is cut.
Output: 2:46
